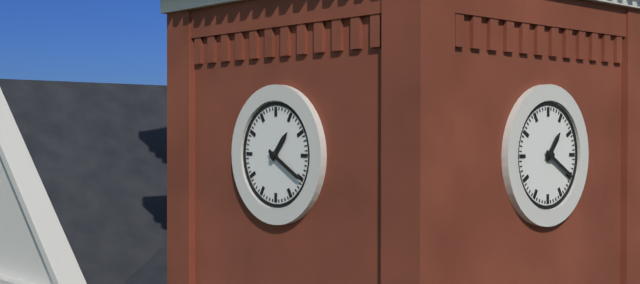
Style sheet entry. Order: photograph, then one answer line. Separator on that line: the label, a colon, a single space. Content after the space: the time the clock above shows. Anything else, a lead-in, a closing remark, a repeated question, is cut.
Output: 1:20
